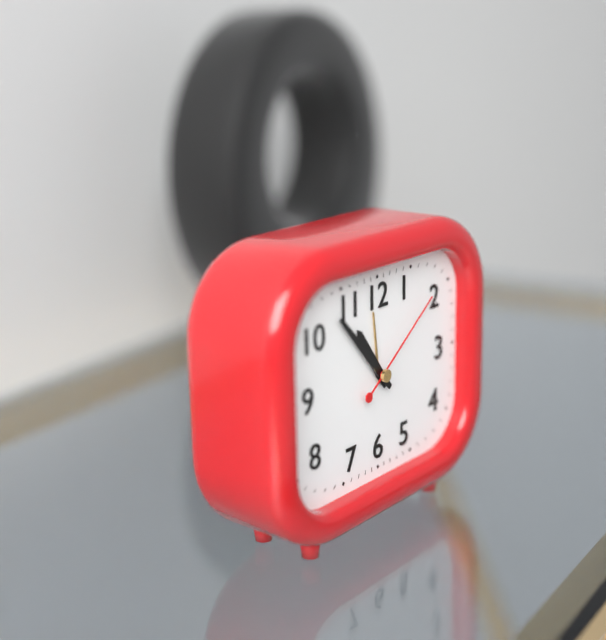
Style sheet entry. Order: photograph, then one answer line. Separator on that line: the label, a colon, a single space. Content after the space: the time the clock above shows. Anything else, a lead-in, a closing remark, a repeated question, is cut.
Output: 10:53:09
